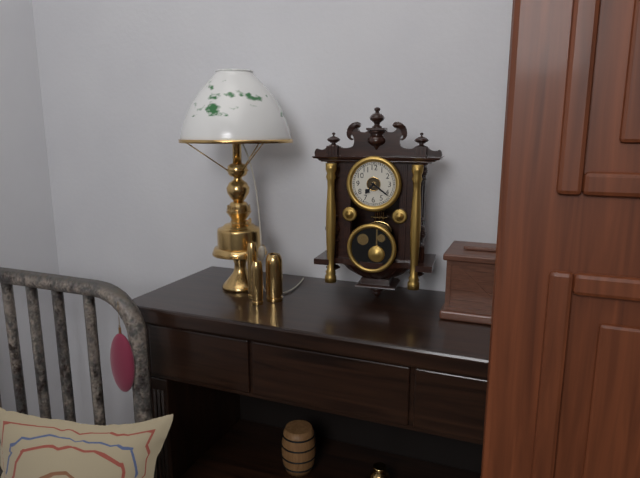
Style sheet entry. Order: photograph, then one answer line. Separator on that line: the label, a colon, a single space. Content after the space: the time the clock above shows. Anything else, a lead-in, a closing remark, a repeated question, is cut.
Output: 7:21
